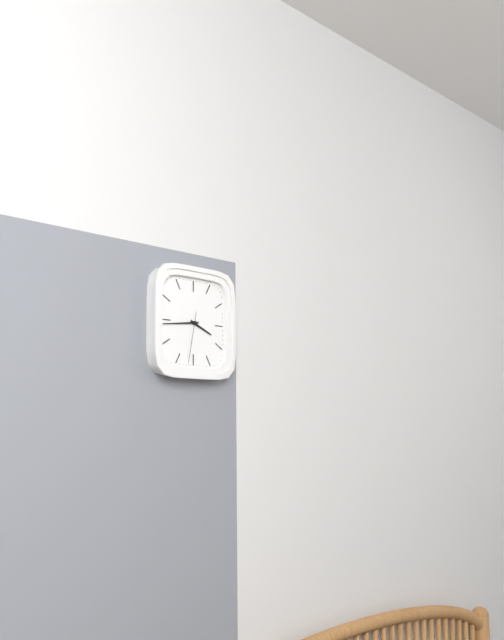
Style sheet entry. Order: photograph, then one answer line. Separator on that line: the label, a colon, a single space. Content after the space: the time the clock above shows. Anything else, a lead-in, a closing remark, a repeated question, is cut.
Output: 3:44:32
